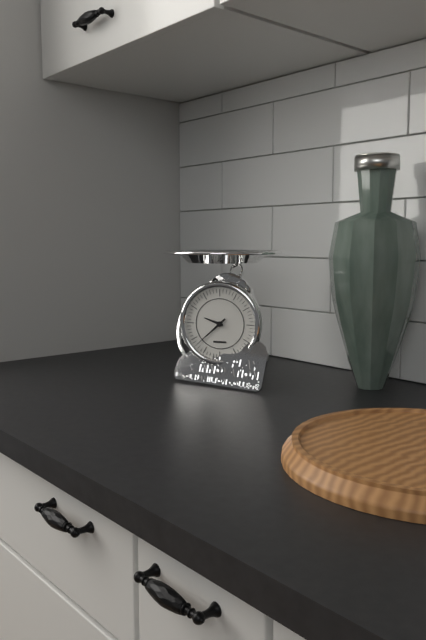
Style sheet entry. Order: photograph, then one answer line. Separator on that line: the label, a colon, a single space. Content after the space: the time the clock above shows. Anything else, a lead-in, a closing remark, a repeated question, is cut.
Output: 9:38
